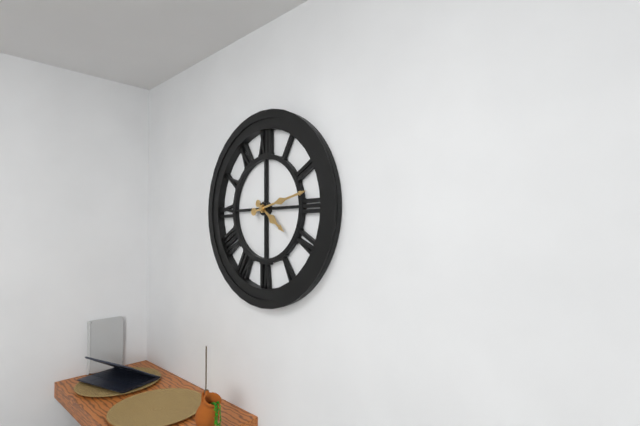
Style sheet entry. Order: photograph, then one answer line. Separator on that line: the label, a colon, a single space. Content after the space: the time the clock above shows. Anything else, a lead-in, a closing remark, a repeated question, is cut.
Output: 4:13
